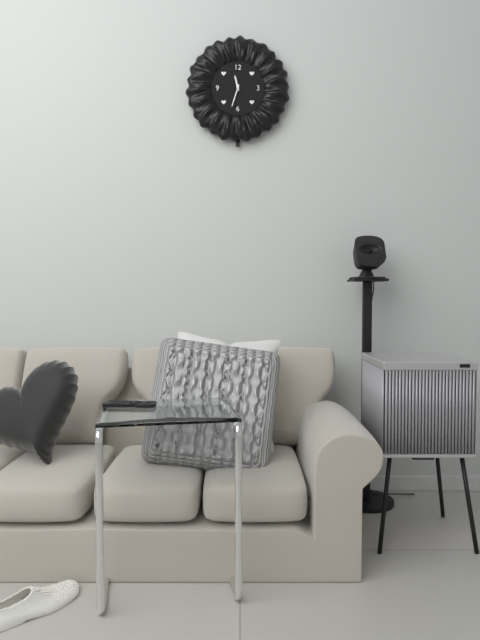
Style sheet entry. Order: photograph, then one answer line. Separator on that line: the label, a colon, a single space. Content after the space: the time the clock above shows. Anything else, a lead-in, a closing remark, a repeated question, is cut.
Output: 11:33
